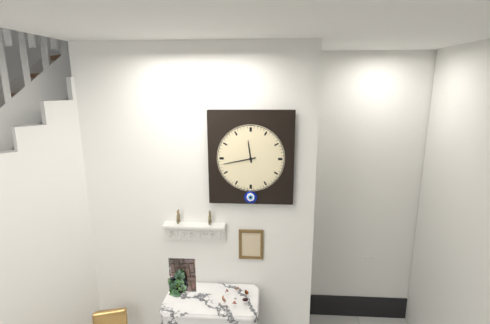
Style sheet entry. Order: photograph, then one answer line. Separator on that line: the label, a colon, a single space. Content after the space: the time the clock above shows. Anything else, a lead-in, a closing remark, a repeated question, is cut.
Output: 11:43
